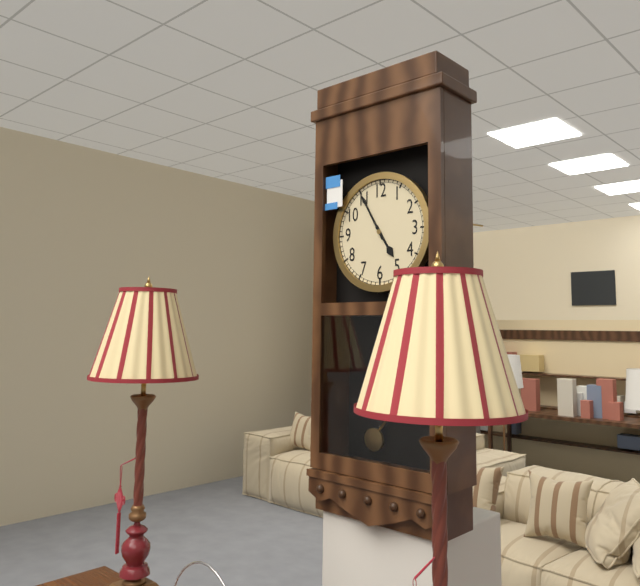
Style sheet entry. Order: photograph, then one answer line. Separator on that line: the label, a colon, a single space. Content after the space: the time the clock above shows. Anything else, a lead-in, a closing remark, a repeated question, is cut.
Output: 4:55
